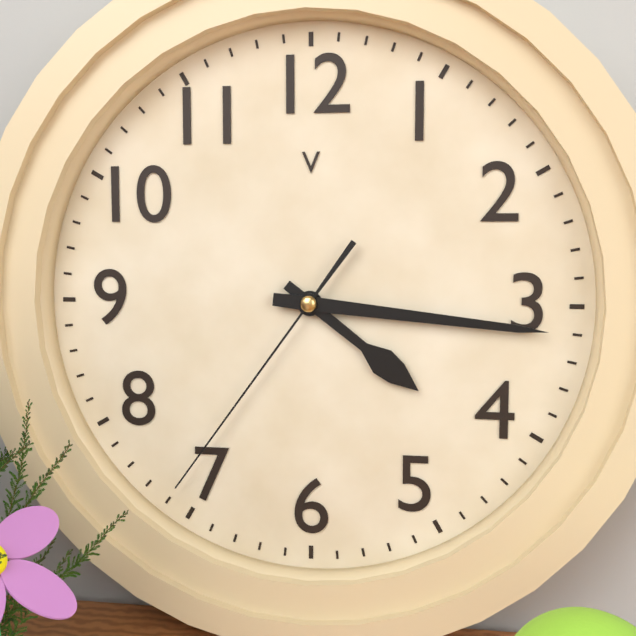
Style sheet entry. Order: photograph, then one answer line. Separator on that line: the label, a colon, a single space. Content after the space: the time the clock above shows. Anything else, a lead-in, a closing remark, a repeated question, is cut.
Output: 4:16:36
